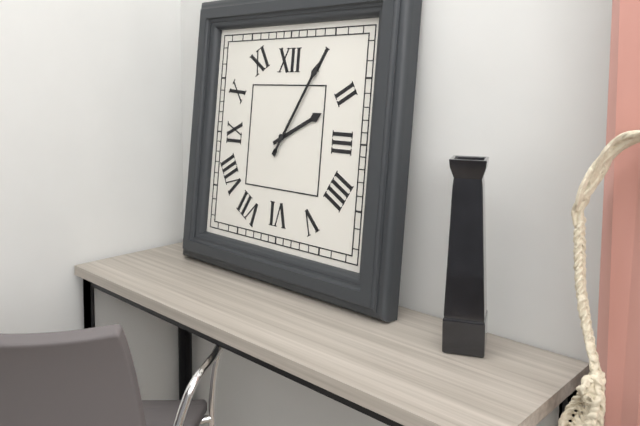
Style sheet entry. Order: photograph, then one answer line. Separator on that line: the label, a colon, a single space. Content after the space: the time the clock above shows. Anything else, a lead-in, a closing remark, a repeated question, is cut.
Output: 2:05
